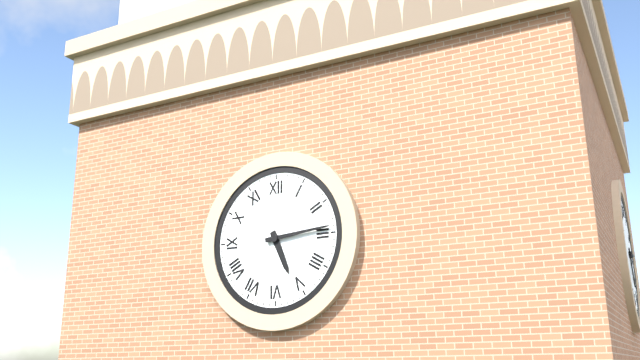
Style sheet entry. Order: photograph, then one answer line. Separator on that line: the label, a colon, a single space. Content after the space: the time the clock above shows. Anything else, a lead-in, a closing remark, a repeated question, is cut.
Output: 5:14
